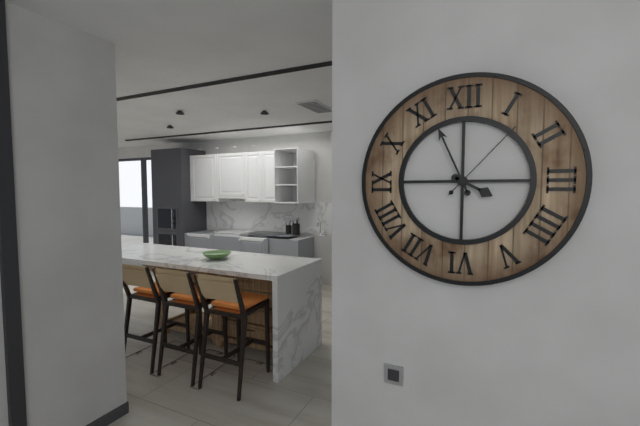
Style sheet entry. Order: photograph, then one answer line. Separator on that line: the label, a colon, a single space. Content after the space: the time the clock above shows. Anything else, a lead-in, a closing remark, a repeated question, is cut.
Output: 3:56:07
